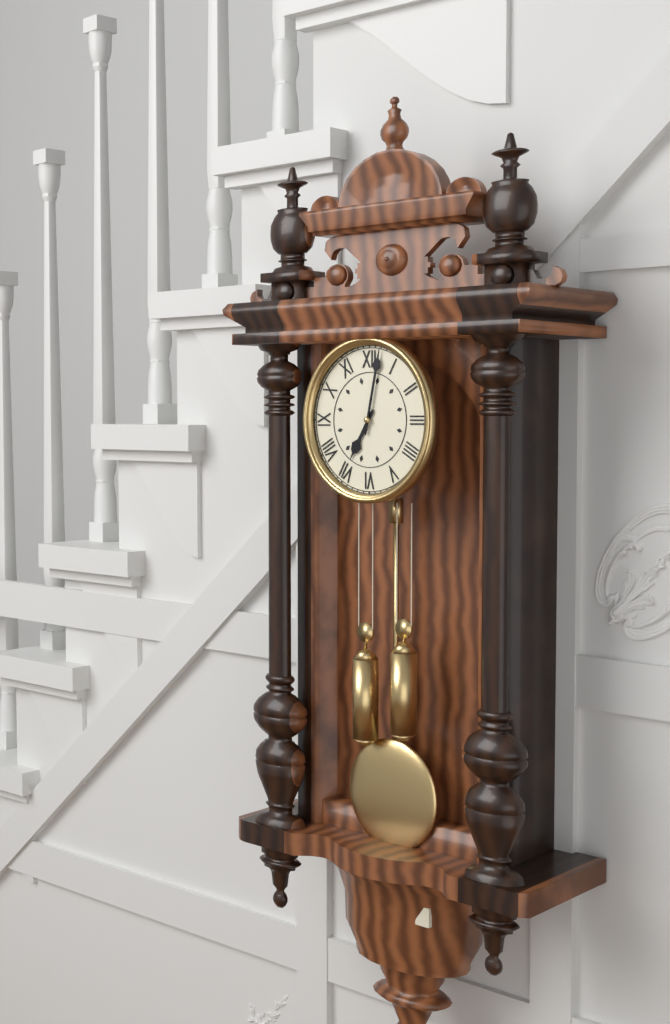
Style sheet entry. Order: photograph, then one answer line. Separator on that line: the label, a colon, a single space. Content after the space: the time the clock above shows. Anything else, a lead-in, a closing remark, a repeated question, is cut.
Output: 7:02
